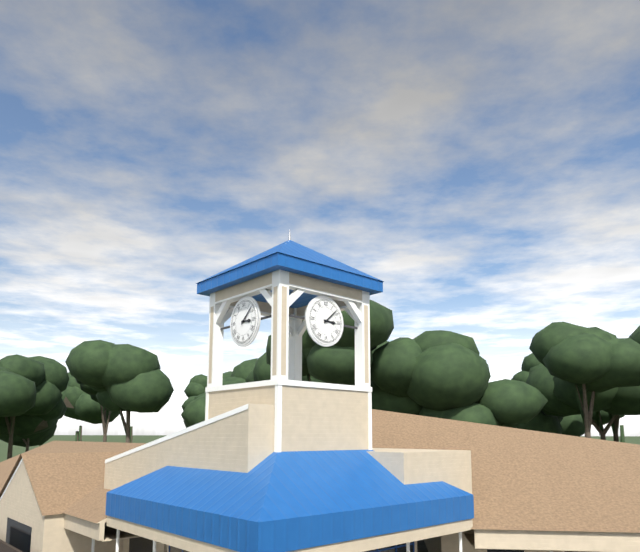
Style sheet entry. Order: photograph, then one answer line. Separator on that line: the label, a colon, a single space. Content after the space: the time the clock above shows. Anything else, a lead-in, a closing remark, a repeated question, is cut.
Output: 3:08
